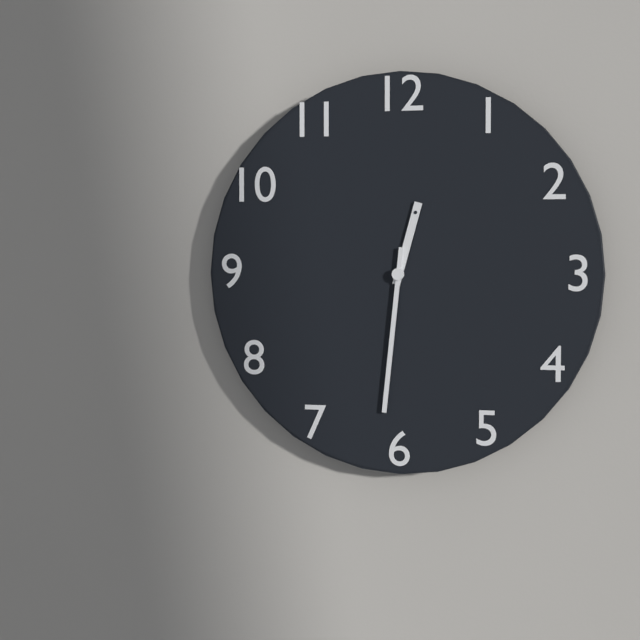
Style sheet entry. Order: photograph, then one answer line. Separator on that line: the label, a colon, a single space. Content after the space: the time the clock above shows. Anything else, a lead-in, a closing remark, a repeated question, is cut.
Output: 12:31
